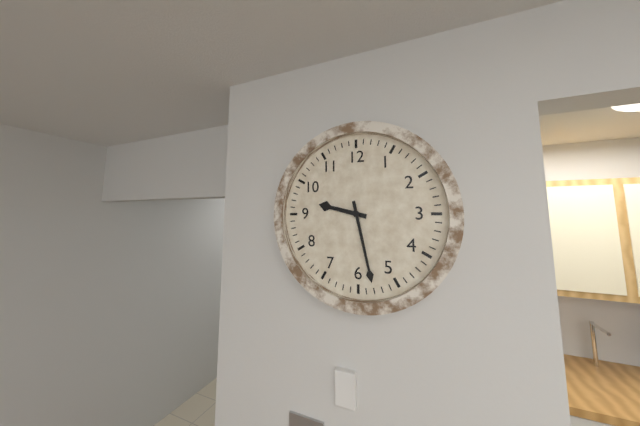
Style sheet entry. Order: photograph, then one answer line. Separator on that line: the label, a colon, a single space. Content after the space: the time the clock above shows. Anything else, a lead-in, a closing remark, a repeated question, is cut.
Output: 9:28
